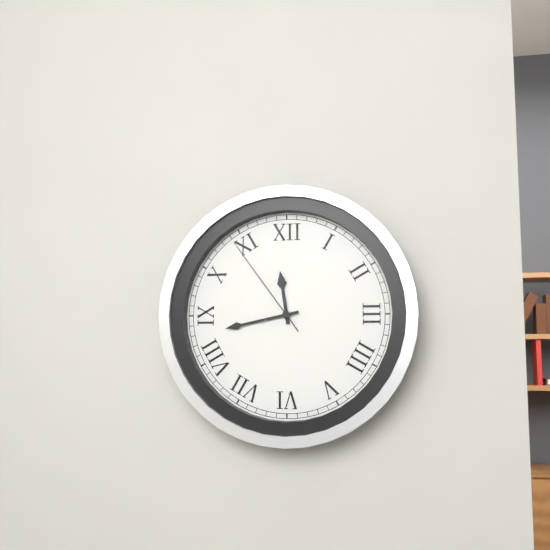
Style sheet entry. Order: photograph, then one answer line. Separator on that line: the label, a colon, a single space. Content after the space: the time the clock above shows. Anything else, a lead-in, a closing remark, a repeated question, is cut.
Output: 11:43:54
